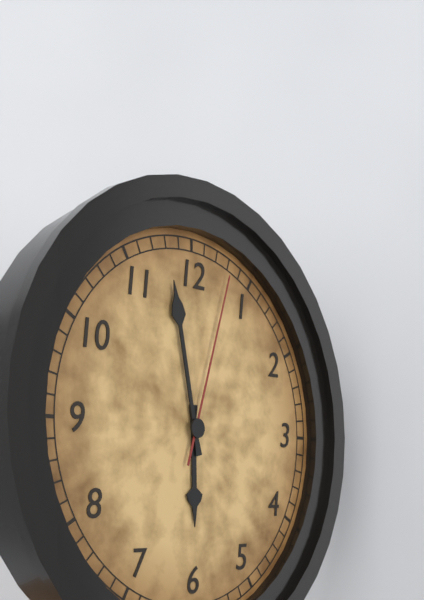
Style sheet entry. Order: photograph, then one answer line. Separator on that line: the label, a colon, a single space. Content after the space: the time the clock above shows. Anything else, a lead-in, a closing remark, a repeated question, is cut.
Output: 5:58:03
